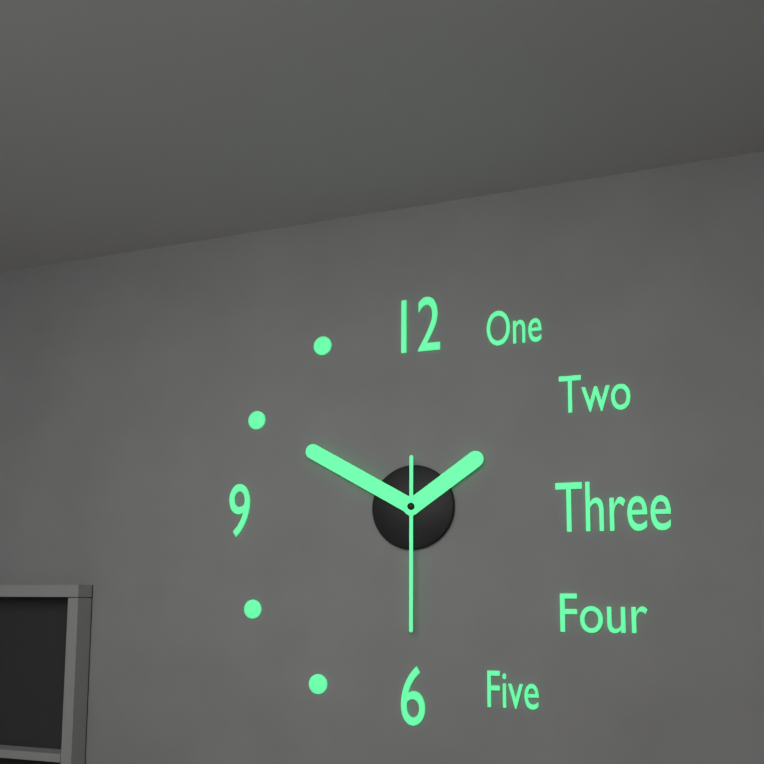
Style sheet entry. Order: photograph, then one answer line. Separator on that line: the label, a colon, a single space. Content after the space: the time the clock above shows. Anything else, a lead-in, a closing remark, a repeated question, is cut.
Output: 1:50:30
